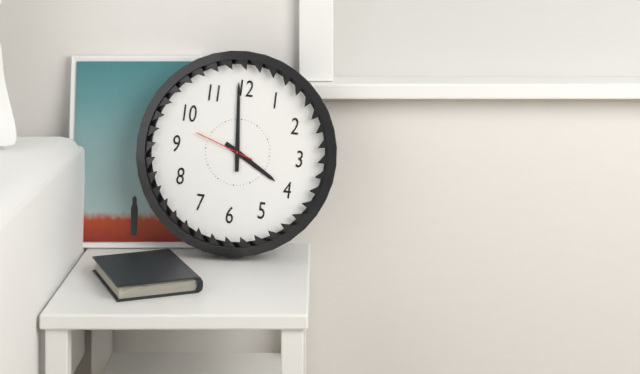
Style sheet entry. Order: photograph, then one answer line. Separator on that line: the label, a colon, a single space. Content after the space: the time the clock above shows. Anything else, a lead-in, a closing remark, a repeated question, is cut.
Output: 3:59:48
